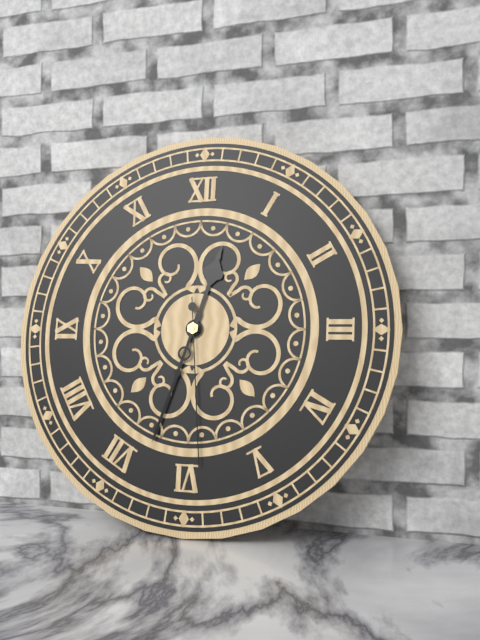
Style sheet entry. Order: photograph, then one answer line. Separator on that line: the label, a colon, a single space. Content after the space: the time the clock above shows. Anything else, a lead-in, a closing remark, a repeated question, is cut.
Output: 12:33:29
